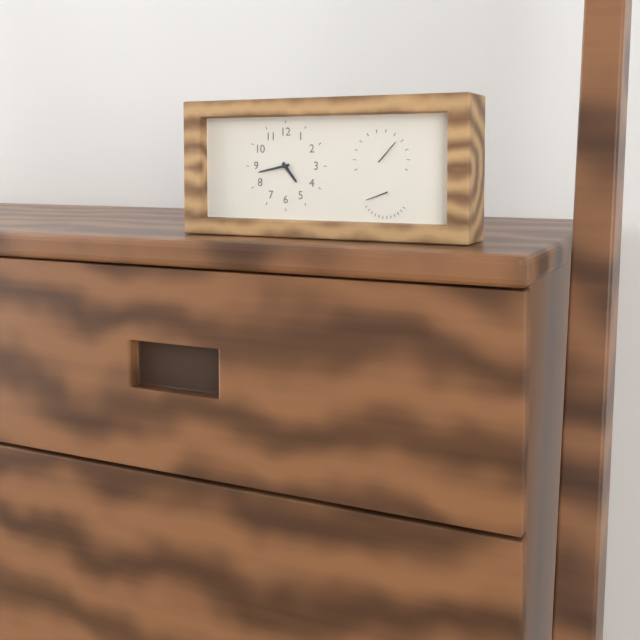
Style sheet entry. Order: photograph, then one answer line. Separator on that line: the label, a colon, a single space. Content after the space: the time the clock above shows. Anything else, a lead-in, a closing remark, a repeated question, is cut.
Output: 4:43
